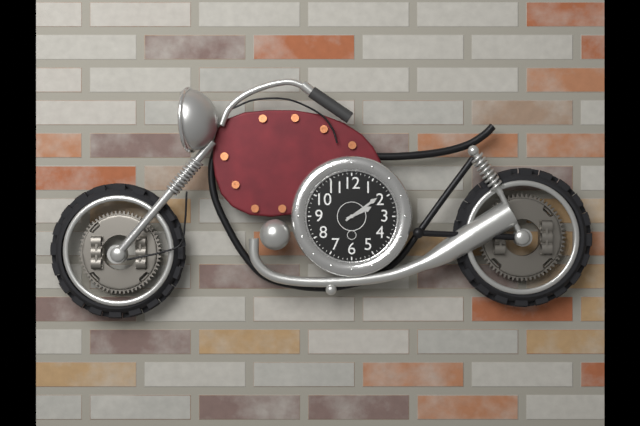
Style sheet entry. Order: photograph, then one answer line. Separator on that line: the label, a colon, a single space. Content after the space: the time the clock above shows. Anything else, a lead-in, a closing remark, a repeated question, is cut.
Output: 2:09
